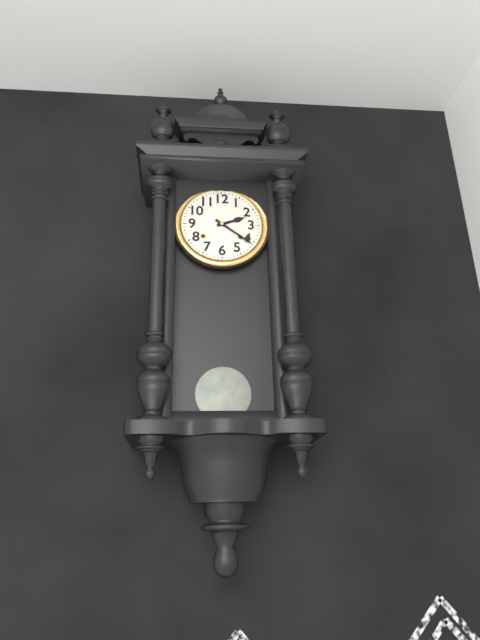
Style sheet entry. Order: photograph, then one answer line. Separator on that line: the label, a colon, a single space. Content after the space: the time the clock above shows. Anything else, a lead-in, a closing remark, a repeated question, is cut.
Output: 2:21
